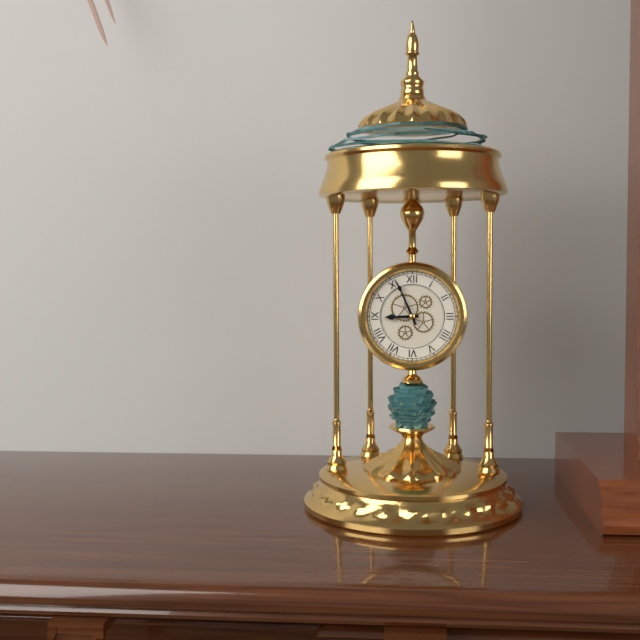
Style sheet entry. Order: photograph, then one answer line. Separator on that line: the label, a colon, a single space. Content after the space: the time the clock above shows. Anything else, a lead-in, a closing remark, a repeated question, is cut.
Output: 8:56
